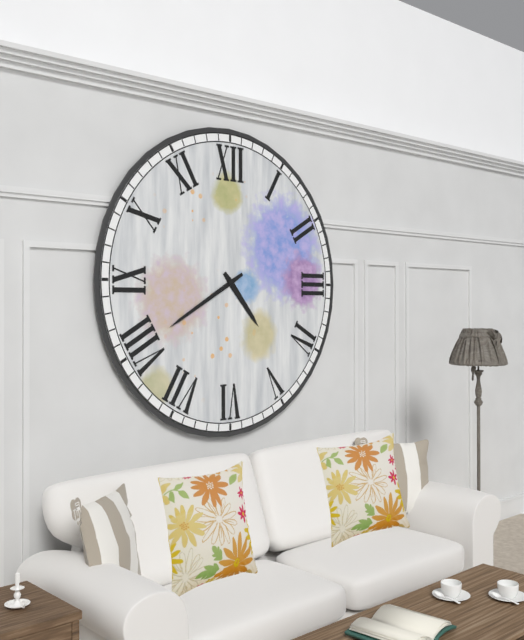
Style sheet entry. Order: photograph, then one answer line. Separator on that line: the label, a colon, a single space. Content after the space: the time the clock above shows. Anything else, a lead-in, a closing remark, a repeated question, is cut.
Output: 4:40
